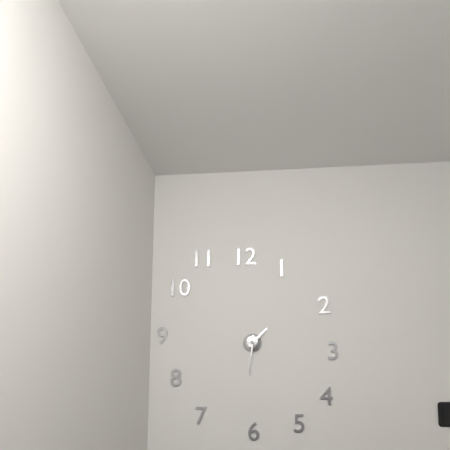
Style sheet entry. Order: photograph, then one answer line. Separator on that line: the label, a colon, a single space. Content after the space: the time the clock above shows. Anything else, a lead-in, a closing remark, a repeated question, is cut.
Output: 1:31
